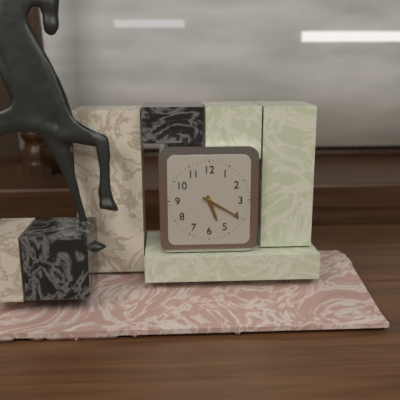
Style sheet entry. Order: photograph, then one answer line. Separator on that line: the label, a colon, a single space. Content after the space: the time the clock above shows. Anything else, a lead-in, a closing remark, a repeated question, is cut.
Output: 5:20
